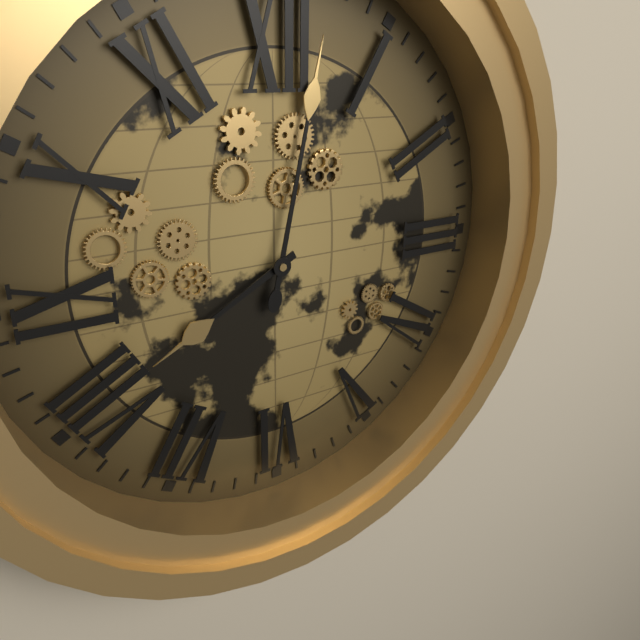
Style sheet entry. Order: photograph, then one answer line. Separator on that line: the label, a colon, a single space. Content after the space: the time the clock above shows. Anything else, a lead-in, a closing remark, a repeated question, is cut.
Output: 8:02
